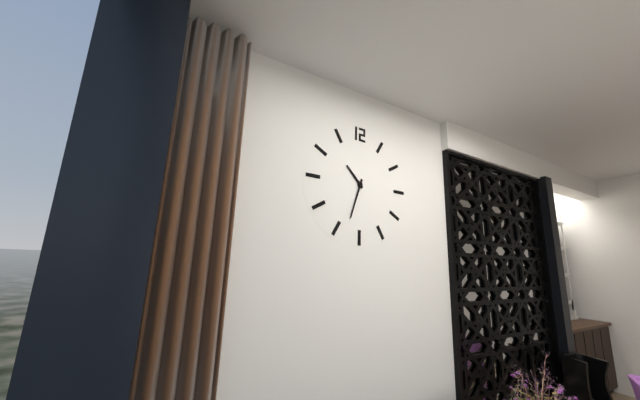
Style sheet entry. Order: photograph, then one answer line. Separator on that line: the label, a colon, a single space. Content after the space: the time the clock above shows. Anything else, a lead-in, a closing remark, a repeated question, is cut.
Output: 10:33
